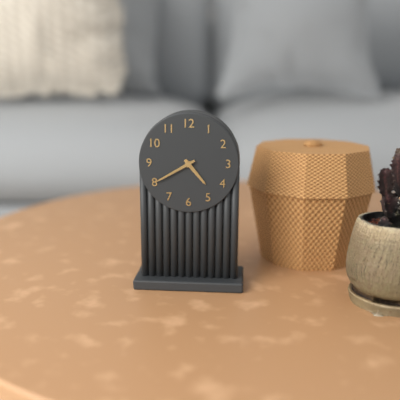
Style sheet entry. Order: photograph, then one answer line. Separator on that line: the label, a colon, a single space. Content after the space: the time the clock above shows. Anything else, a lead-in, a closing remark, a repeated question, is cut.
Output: 4:40
